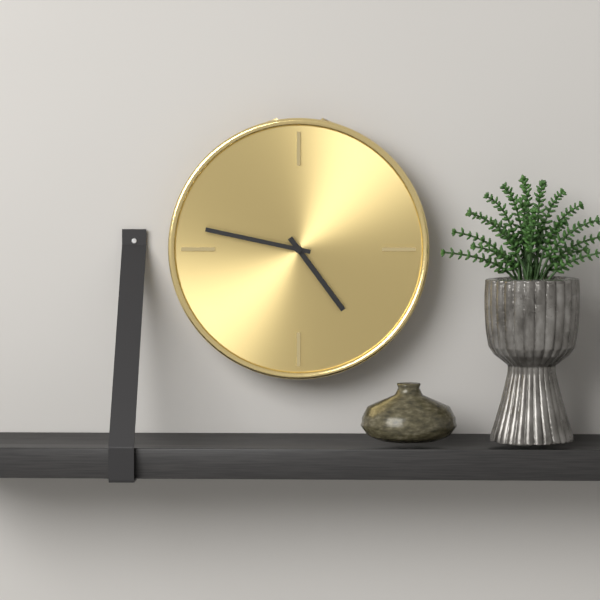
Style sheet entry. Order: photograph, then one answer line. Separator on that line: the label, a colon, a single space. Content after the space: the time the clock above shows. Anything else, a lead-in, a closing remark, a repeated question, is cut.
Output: 4:47
